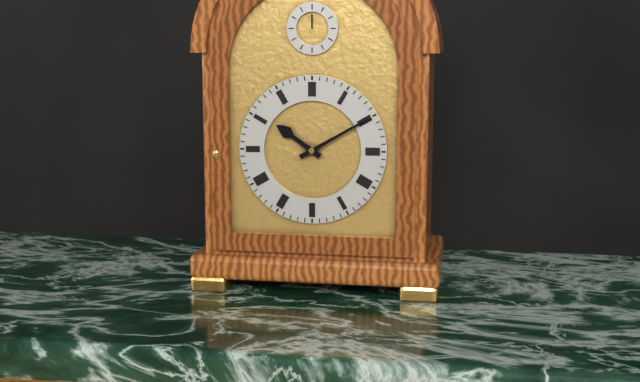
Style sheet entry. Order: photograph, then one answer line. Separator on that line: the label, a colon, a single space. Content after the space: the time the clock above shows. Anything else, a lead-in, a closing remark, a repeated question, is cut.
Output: 10:10
